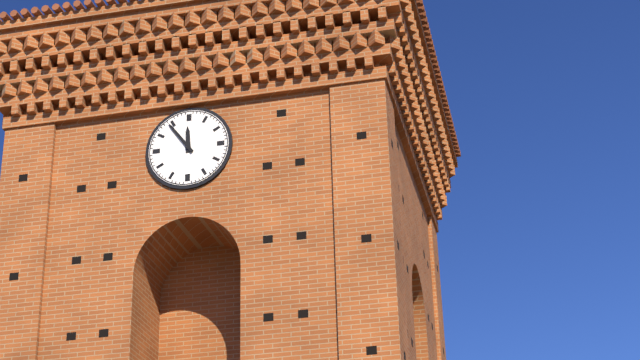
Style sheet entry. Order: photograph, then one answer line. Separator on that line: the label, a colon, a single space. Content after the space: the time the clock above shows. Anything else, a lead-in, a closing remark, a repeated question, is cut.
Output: 11:54
